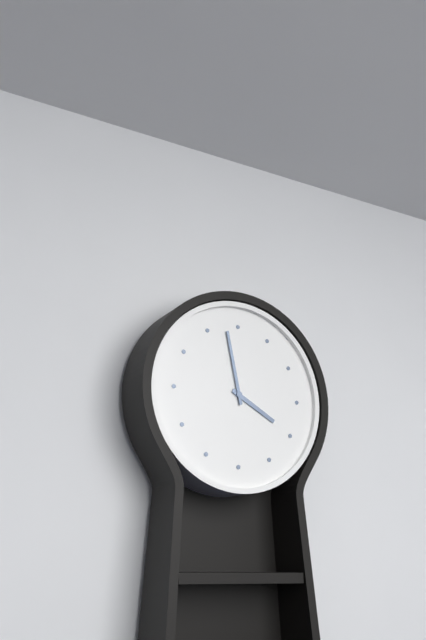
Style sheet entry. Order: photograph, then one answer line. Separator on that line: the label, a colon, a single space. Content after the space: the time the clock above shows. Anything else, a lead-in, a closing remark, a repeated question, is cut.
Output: 3:58
